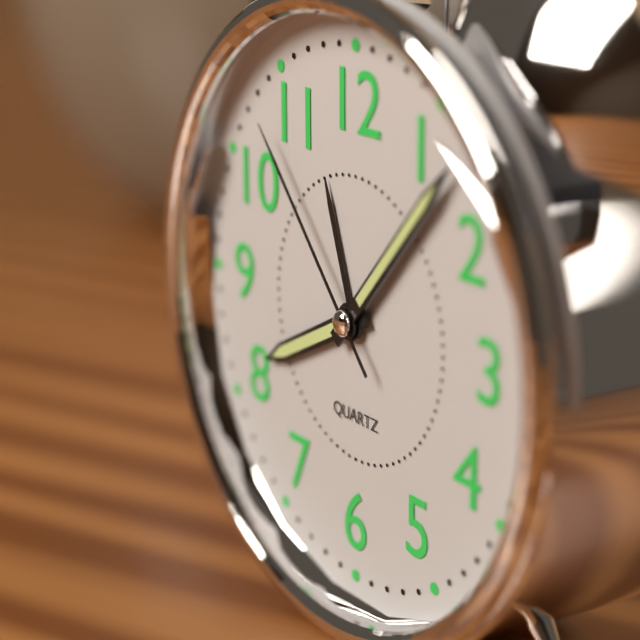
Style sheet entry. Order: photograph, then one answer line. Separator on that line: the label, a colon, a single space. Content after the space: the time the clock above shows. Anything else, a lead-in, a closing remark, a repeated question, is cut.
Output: 8:07:53
